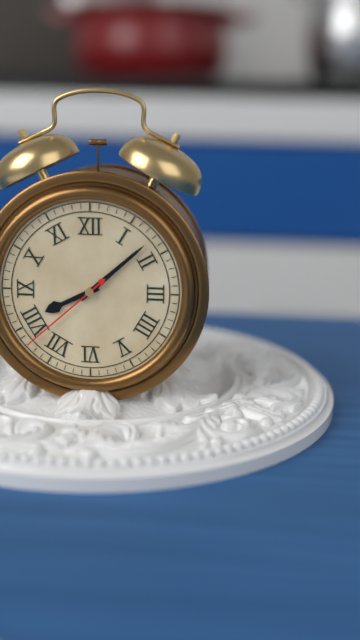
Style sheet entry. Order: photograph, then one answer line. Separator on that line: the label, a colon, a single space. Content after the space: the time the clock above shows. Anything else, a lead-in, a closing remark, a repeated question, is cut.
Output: 8:08:38
